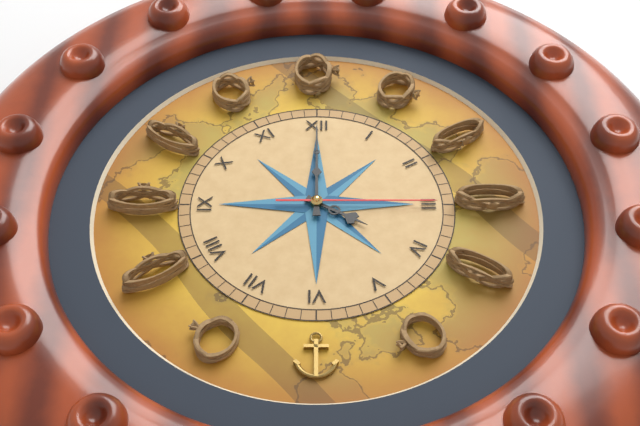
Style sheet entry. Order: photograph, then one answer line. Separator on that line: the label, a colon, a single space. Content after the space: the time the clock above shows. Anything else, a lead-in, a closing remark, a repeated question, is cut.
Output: 4:00:15
